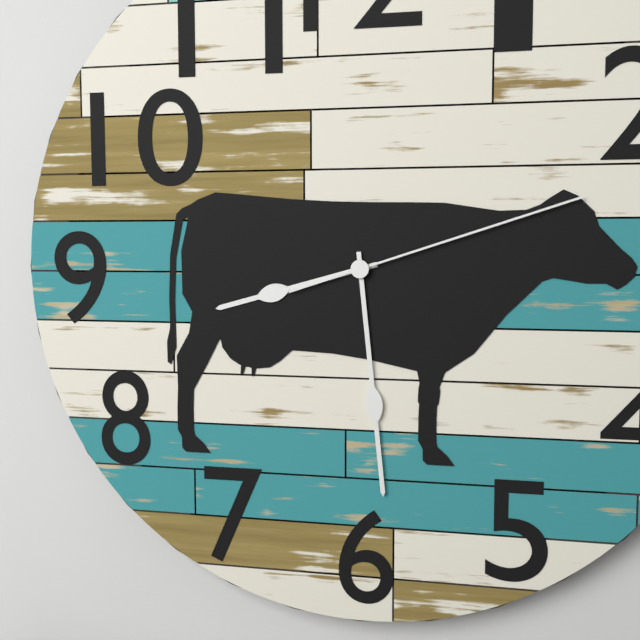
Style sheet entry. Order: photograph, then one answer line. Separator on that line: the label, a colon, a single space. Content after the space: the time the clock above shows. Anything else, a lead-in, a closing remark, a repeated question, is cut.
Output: 8:29:12
